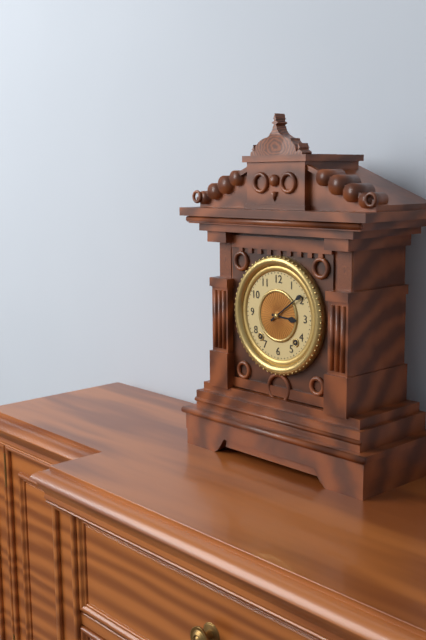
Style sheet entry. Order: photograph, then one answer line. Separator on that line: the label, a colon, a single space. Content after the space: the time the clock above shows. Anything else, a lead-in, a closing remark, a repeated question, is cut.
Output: 3:09
